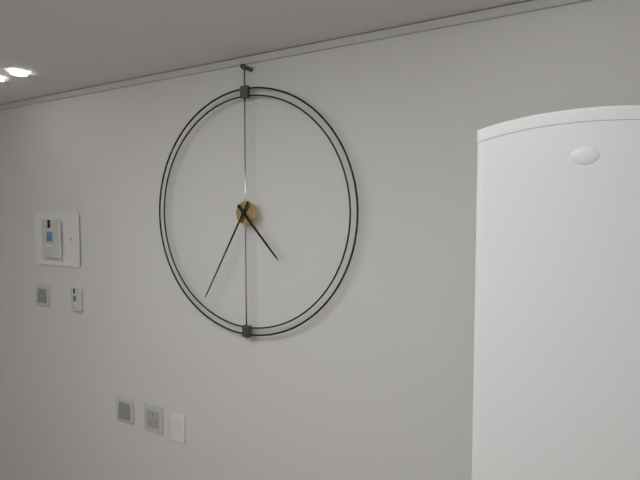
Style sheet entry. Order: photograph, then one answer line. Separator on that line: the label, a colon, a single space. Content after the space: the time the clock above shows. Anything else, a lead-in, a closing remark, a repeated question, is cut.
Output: 4:35
